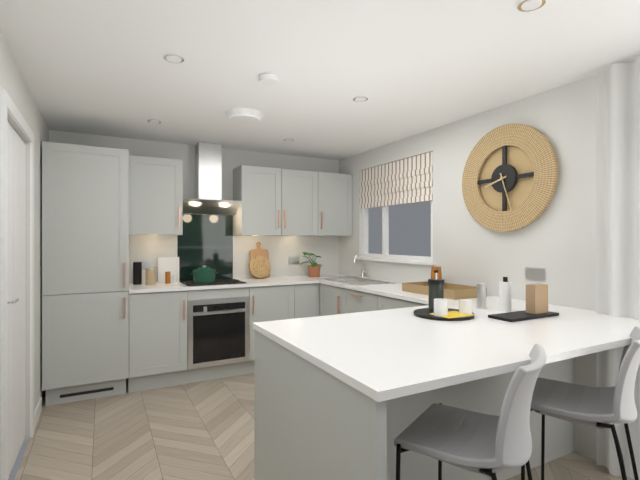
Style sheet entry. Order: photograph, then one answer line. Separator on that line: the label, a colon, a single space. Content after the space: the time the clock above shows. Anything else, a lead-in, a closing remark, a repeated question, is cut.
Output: 8:27
